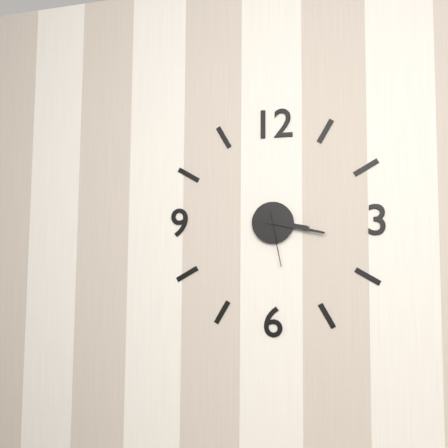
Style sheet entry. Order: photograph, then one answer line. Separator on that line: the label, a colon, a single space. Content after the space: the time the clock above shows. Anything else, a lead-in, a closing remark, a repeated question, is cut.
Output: 3:17:28
